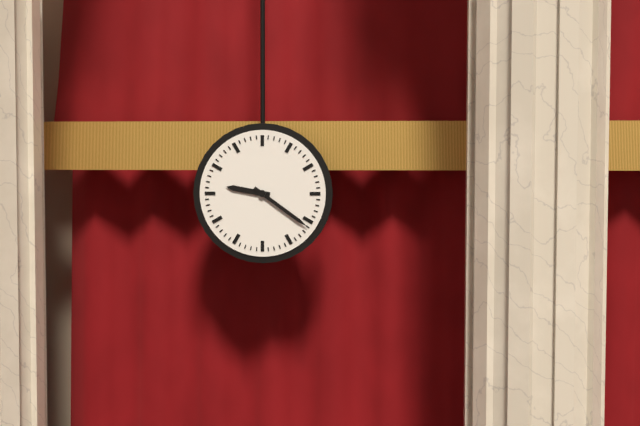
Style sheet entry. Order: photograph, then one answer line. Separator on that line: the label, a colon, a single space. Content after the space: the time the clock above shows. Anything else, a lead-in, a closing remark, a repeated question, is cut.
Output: 9:21
